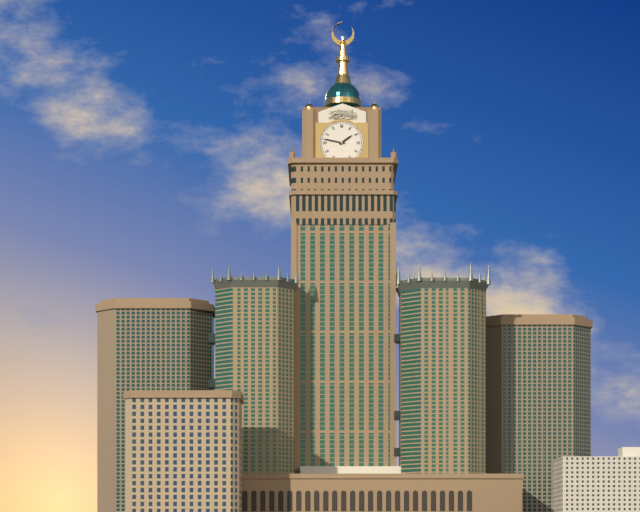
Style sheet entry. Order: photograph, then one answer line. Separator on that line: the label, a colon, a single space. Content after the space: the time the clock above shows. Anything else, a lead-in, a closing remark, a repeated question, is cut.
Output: 1:47
